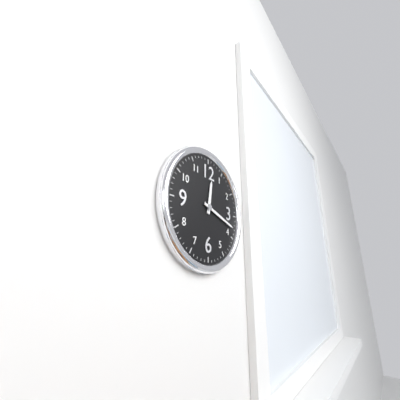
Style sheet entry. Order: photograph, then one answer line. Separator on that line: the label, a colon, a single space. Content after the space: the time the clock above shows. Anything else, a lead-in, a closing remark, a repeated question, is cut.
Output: 12:18
